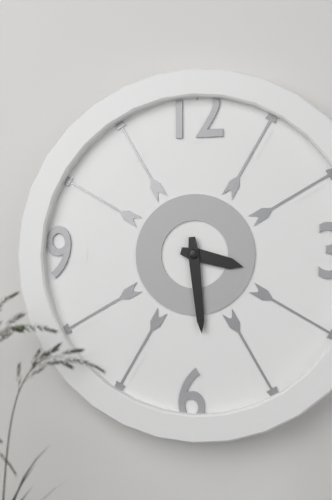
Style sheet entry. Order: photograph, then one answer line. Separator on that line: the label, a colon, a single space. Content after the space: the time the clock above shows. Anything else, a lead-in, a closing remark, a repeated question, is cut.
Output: 3:29
